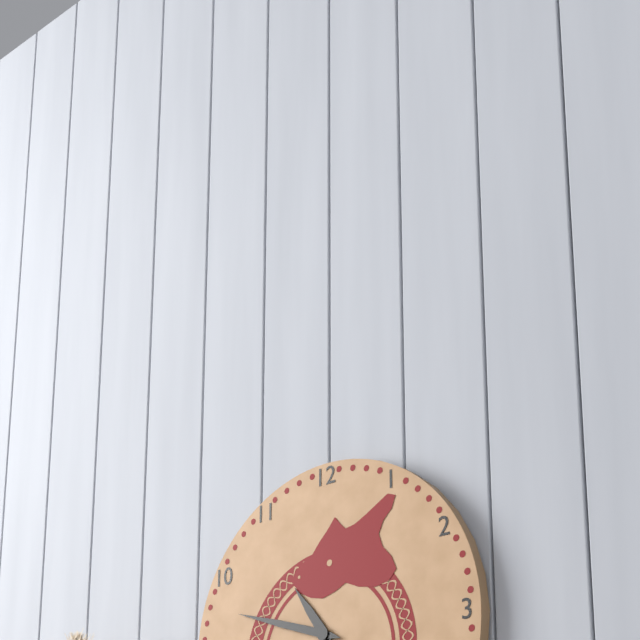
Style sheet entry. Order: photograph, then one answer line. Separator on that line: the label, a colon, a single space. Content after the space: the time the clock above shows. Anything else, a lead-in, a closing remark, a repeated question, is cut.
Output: 10:48
